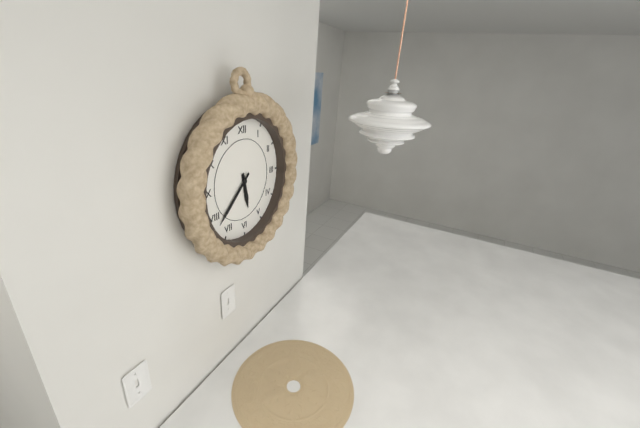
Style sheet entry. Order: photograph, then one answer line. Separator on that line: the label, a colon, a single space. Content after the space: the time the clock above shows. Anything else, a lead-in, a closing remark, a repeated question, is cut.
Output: 5:38
